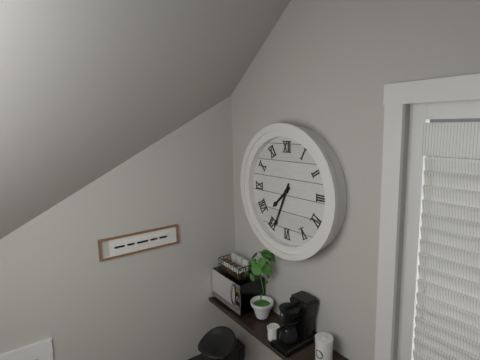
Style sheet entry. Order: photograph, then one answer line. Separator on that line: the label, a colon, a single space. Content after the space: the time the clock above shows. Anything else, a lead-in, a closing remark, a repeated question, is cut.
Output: 7:34
